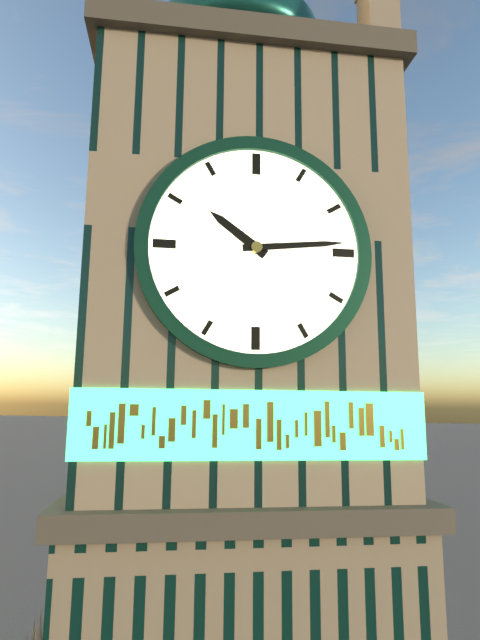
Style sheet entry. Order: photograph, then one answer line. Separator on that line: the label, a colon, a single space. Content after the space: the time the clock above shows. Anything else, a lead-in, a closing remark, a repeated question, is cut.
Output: 10:14
